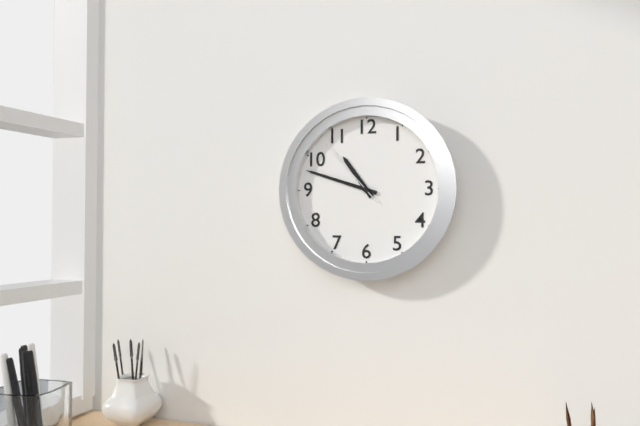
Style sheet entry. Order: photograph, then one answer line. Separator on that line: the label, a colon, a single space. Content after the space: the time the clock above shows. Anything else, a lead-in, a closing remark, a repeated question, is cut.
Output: 10:48:53
